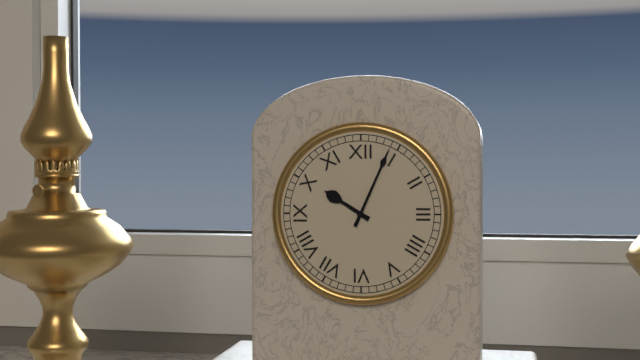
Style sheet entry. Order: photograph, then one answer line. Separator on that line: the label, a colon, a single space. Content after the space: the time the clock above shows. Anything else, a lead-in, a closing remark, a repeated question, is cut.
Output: 10:04
